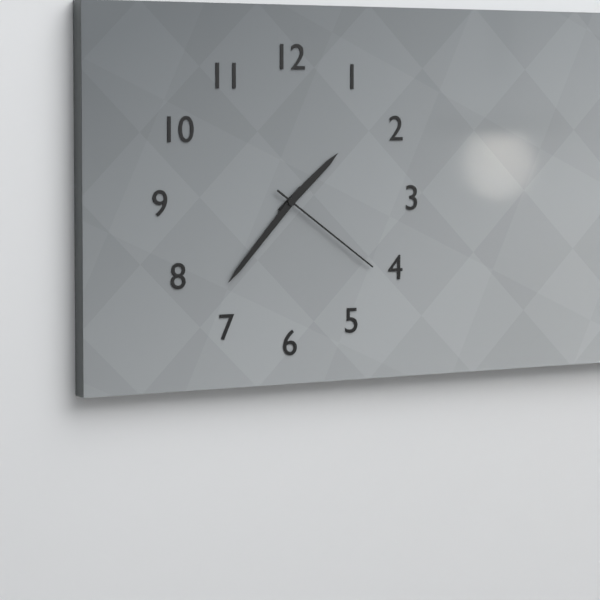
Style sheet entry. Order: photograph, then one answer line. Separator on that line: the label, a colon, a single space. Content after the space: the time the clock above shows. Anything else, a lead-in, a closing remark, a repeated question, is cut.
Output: 1:37:21
